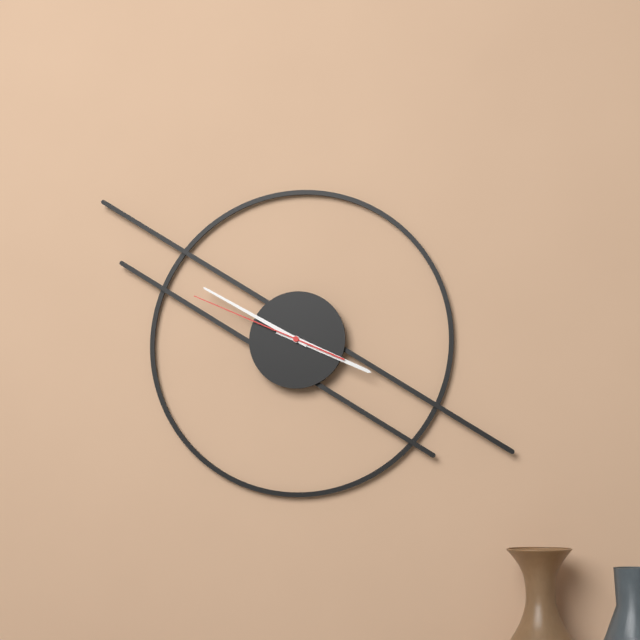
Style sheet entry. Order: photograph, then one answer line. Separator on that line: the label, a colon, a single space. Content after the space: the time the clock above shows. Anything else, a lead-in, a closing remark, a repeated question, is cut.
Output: 3:50:49
